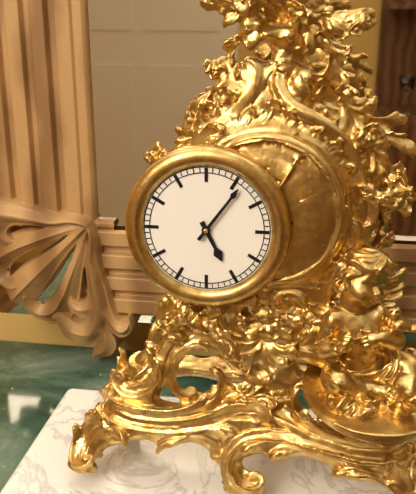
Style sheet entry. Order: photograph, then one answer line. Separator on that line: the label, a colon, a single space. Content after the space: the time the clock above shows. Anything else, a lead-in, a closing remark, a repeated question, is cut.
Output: 5:06
